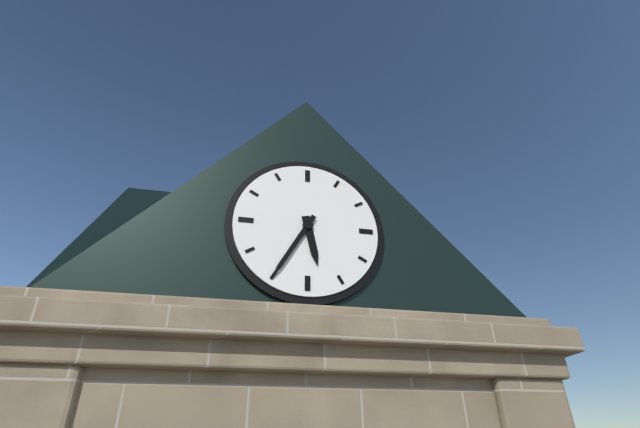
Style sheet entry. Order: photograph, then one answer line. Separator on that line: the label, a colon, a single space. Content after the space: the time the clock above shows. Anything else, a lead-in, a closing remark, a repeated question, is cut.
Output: 5:35
